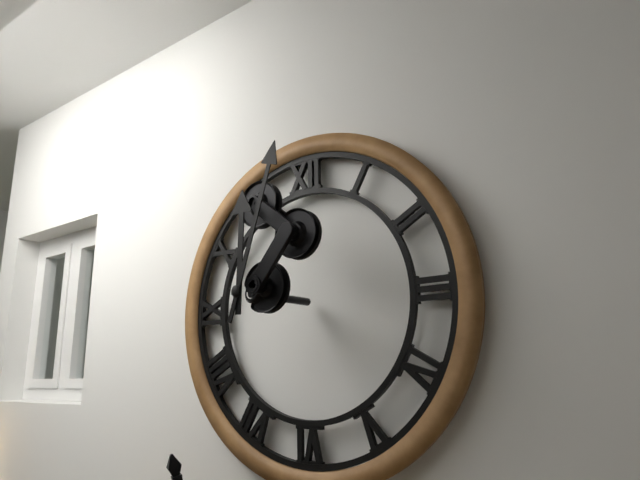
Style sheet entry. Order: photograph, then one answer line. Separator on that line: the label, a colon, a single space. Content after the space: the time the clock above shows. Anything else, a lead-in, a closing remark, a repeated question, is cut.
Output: 12:03
